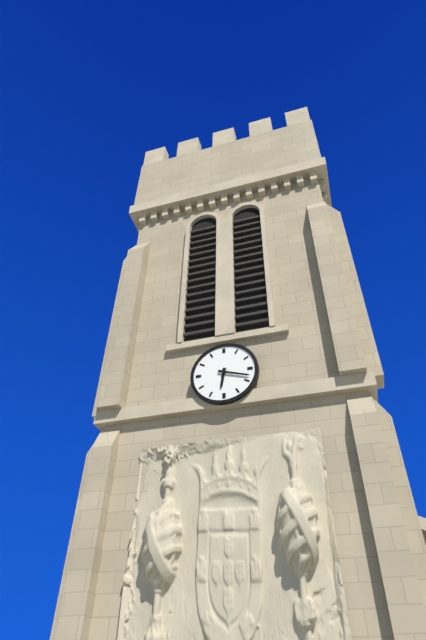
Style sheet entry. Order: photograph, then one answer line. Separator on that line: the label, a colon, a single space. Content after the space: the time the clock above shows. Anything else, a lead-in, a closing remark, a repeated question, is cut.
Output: 6:18
